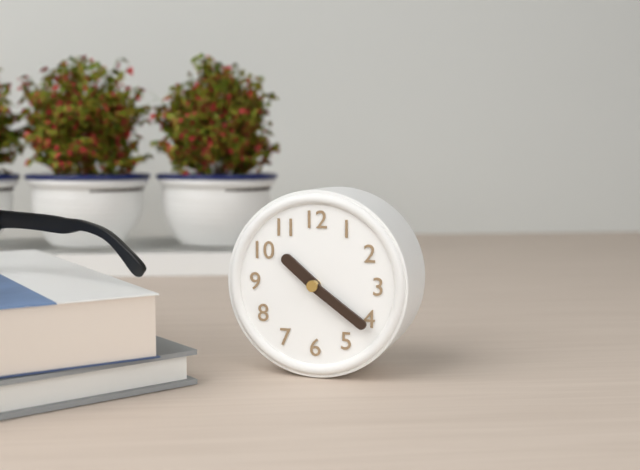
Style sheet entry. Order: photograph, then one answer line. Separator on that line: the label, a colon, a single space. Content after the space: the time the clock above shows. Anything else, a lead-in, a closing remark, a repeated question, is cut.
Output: 10:21
